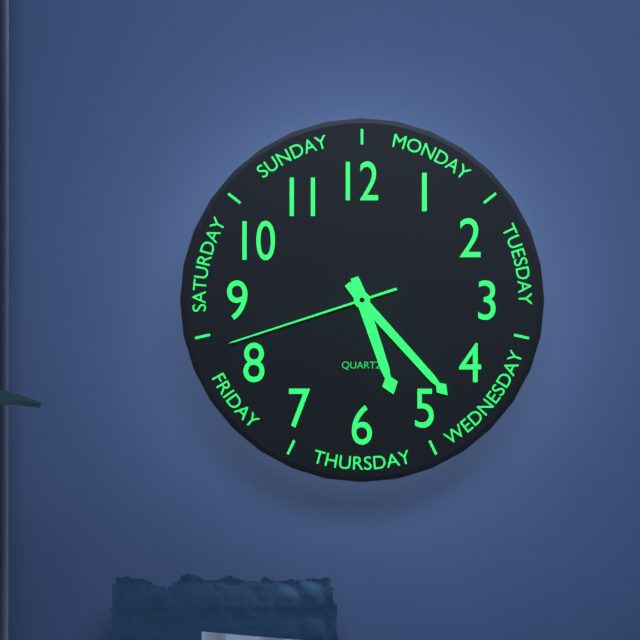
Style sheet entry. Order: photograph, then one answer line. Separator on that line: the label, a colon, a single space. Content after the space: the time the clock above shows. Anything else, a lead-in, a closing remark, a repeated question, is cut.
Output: 5:23:42
